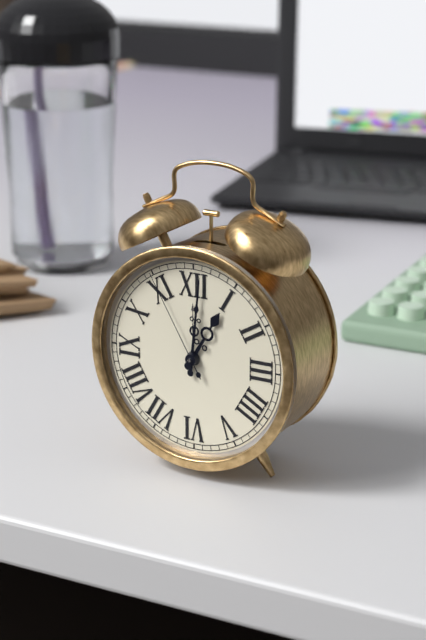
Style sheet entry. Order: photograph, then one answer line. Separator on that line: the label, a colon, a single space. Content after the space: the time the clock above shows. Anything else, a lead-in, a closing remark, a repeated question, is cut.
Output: 1:01:55
